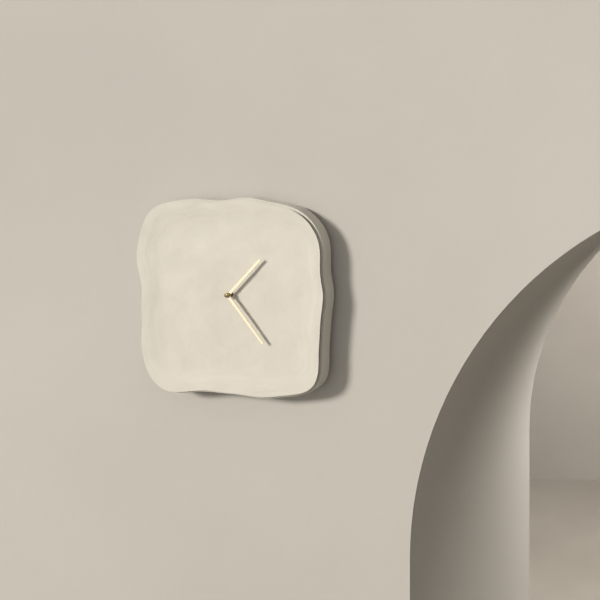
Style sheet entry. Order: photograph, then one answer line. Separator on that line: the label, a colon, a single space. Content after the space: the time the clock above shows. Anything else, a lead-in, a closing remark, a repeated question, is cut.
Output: 1:24
